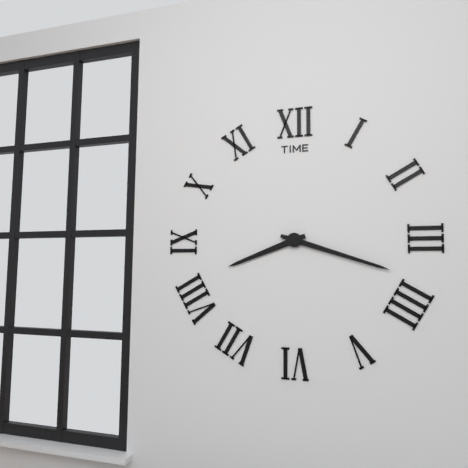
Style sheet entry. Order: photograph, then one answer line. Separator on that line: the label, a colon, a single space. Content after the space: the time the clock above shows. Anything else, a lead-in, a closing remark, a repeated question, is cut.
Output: 8:18
